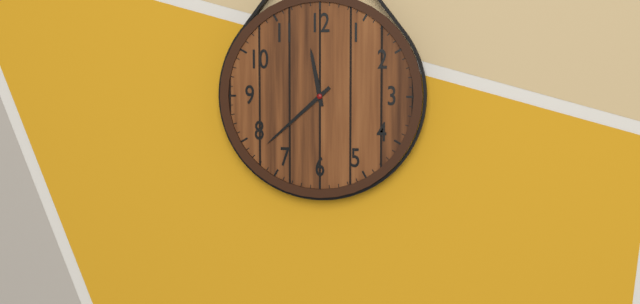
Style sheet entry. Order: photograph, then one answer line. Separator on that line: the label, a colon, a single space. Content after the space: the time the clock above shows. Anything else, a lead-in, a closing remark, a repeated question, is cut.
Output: 11:38
